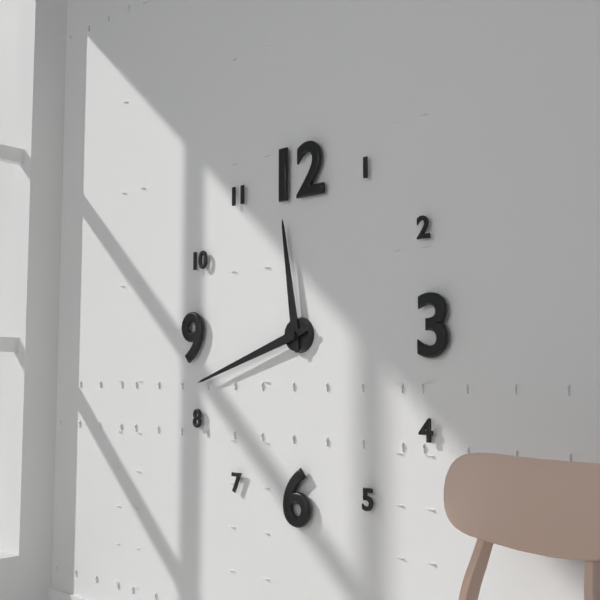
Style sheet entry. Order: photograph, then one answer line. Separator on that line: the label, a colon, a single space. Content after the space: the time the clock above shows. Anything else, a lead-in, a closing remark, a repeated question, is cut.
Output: 11:42
